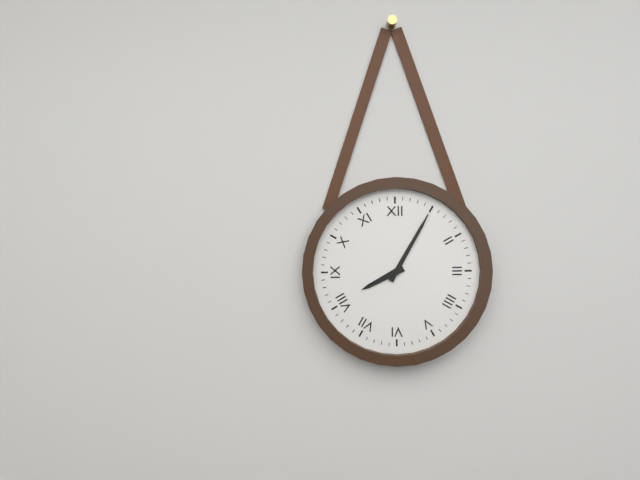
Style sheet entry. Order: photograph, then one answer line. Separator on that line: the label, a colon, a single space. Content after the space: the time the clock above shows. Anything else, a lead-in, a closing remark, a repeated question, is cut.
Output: 8:05
